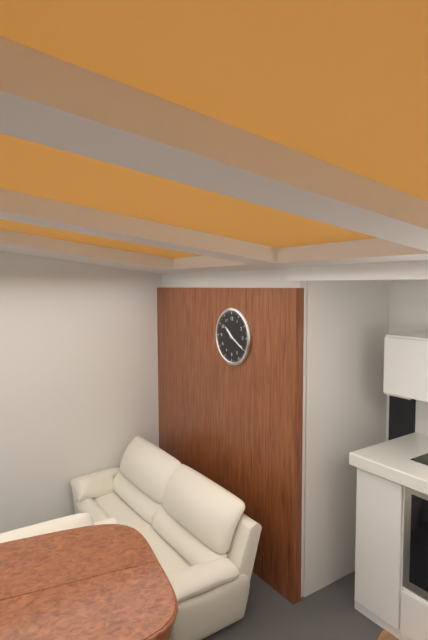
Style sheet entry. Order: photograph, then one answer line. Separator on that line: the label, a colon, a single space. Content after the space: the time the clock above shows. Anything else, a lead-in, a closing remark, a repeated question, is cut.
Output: 10:20
